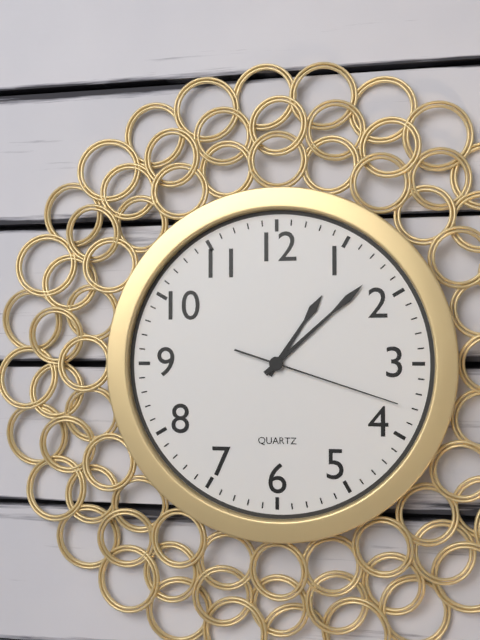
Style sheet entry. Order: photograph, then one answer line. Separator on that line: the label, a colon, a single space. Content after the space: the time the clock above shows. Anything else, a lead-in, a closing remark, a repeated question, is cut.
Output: 1:08:18
